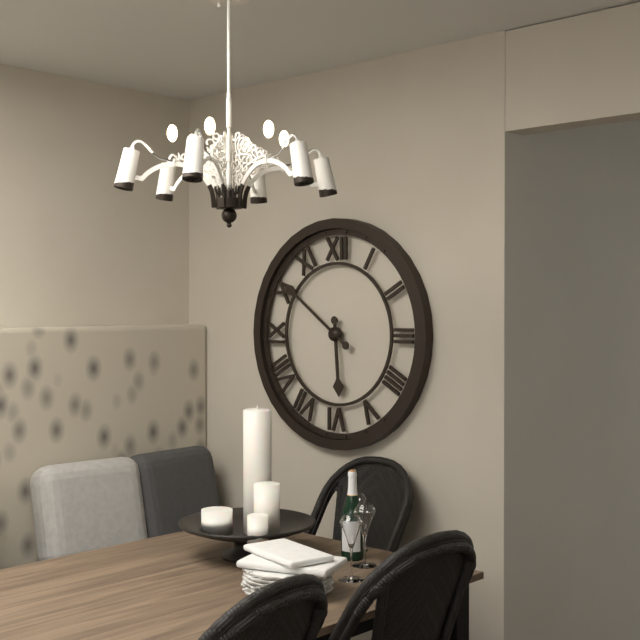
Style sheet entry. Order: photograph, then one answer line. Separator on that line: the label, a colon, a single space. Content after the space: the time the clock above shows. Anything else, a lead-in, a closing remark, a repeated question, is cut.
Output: 5:51
